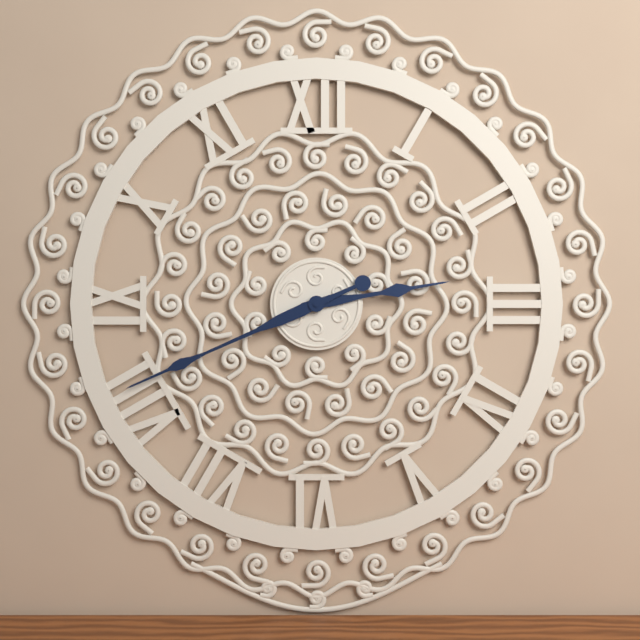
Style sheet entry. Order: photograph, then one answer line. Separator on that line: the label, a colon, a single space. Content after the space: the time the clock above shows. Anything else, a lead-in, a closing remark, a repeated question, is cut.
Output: 2:41
